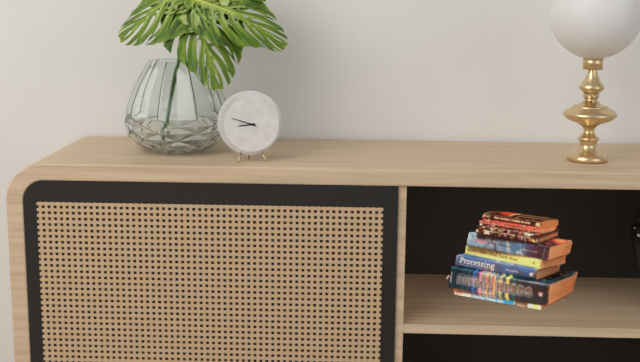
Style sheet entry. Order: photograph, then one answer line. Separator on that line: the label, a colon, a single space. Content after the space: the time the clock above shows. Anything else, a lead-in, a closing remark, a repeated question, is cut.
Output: 8:48
